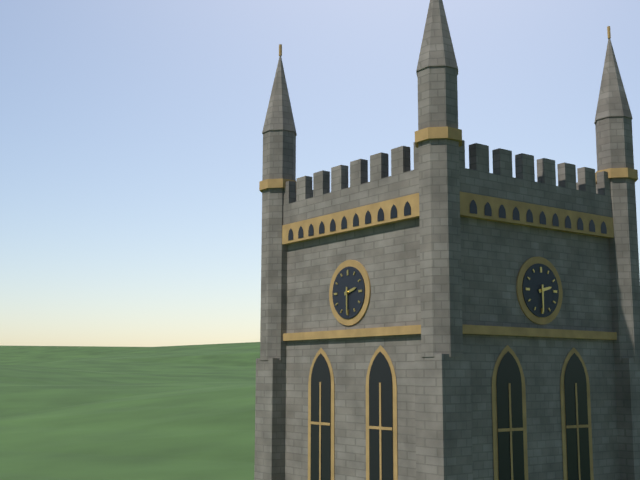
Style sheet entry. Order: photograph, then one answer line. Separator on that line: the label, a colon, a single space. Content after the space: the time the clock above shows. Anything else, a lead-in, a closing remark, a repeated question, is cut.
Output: 2:30
